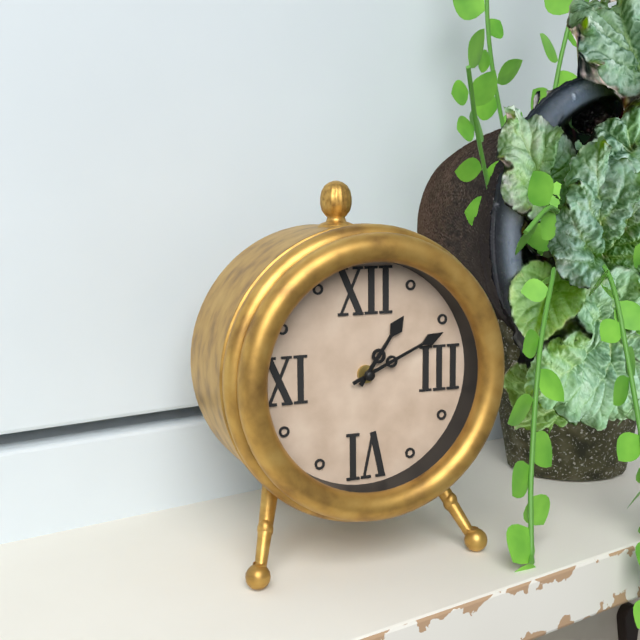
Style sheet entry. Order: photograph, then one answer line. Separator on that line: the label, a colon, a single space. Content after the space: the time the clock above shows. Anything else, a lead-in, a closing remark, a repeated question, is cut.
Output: 1:11
